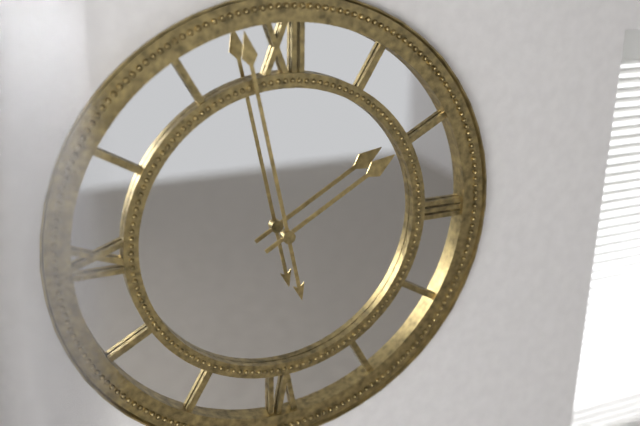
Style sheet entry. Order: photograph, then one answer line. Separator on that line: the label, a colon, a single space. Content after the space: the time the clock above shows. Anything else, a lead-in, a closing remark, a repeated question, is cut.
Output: 1:58
